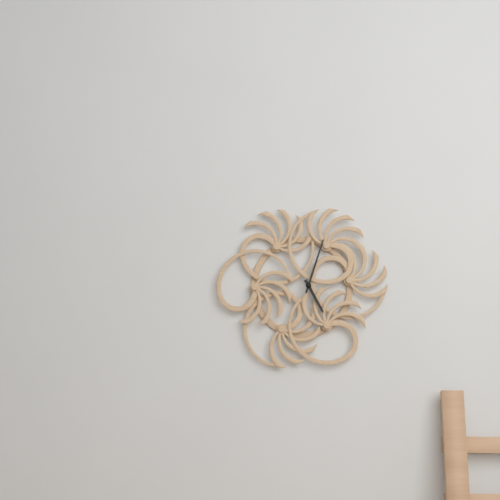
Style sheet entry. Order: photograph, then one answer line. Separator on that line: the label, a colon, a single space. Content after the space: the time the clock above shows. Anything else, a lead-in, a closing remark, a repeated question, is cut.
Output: 5:03
